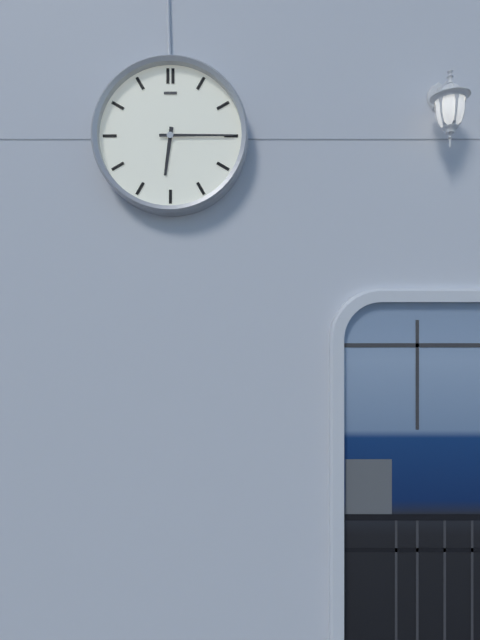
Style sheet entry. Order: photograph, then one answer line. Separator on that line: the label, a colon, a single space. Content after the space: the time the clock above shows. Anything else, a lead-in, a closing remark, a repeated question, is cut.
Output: 6:15
